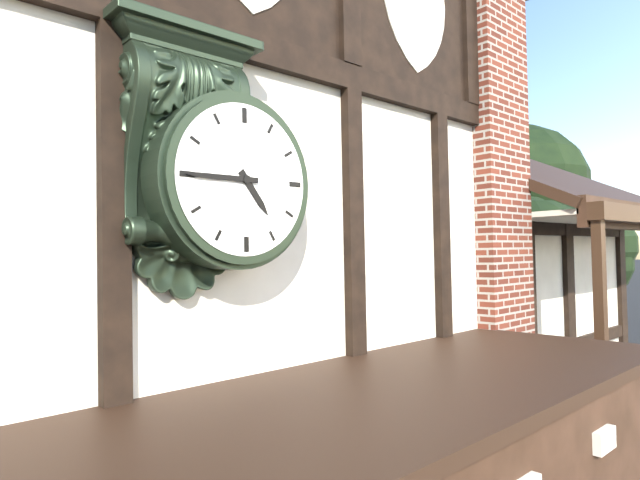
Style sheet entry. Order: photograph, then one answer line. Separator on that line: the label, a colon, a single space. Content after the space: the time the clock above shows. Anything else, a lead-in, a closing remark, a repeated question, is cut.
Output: 4:45
